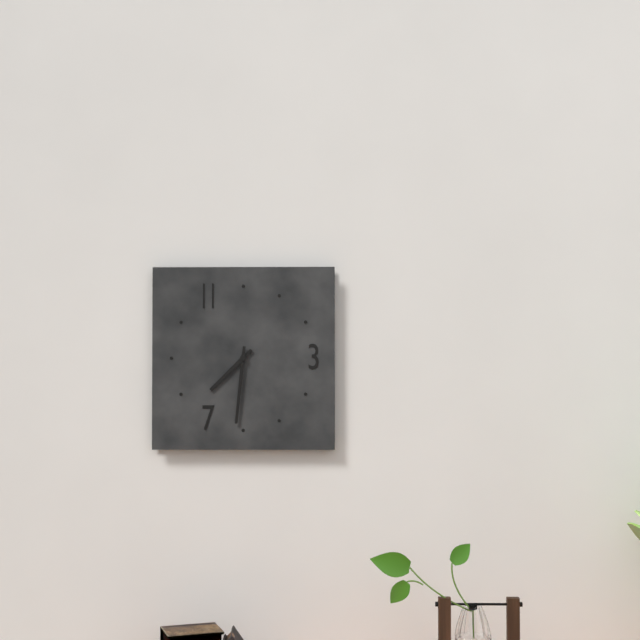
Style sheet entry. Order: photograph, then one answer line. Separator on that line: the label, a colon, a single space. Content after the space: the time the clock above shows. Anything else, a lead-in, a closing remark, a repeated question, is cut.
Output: 7:31
